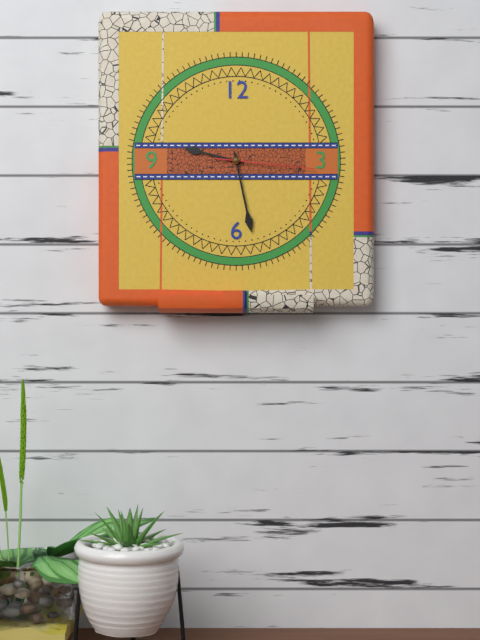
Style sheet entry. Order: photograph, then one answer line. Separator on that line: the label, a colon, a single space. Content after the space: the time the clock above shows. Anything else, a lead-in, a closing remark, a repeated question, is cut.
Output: 9:28:16
